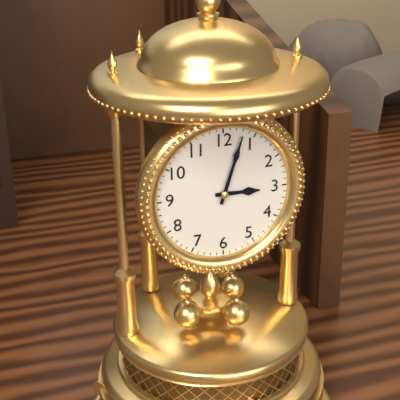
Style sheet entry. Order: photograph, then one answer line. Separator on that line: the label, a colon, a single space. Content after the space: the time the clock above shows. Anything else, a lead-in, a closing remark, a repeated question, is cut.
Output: 3:03
